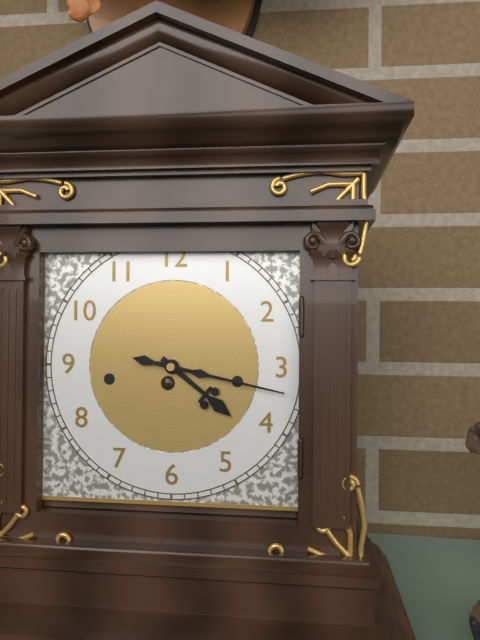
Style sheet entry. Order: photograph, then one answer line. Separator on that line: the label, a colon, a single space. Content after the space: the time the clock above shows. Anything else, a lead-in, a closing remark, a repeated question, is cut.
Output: 4:17
